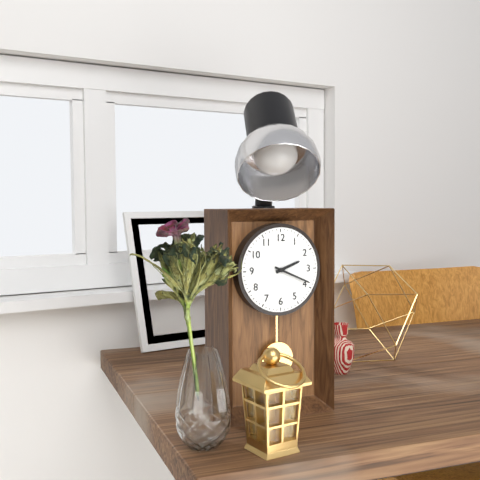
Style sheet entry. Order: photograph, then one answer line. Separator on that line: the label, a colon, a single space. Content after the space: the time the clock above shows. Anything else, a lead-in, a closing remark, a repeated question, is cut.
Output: 2:19
